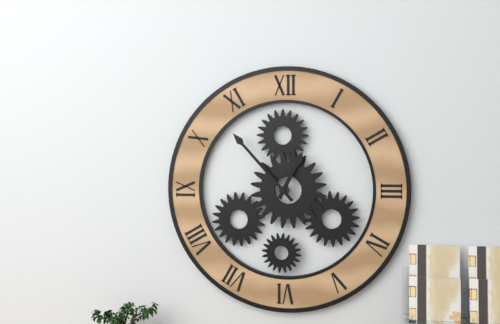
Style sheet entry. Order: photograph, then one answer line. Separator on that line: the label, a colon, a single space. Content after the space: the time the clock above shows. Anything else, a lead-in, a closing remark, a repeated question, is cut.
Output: 12:53
